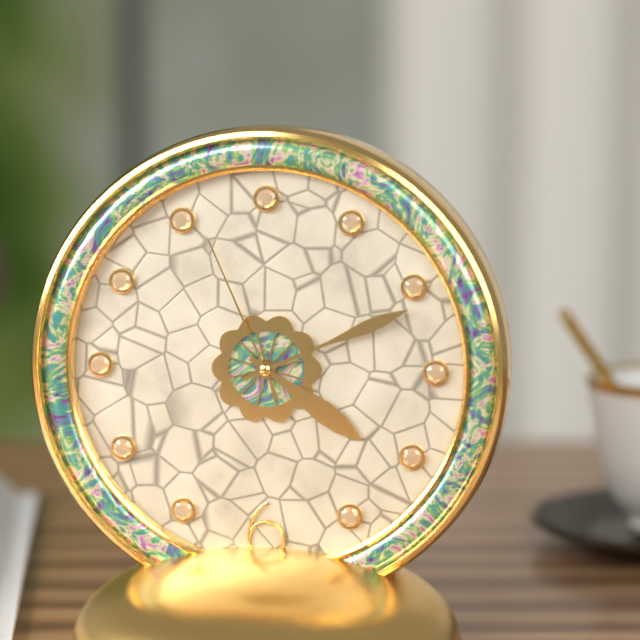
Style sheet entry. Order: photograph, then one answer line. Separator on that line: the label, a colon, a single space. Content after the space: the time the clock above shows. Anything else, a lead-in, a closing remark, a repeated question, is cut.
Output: 4:11:56
